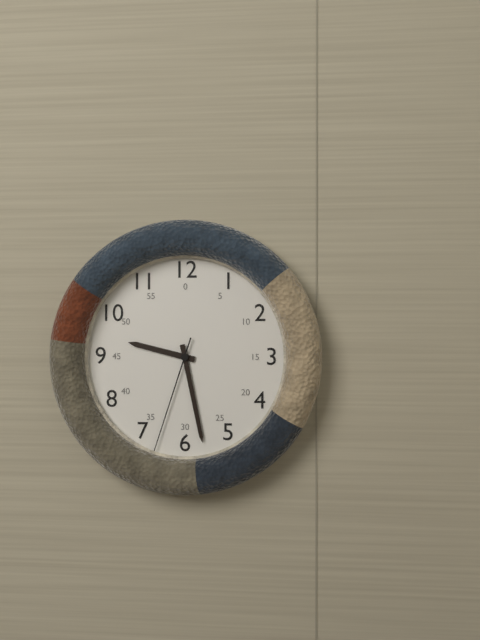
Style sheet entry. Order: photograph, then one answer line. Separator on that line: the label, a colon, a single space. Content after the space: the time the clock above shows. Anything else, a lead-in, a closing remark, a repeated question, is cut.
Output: 9:28:33
